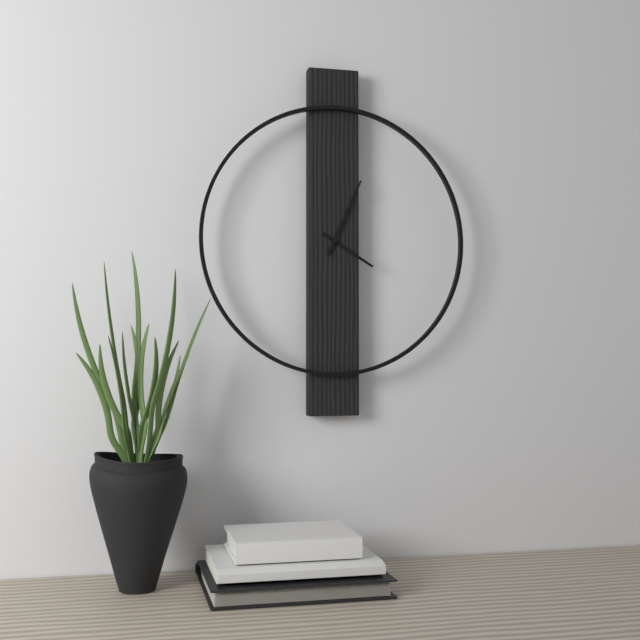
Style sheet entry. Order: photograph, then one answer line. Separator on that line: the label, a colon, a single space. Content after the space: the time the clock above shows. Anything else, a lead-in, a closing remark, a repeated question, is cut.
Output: 4:04
